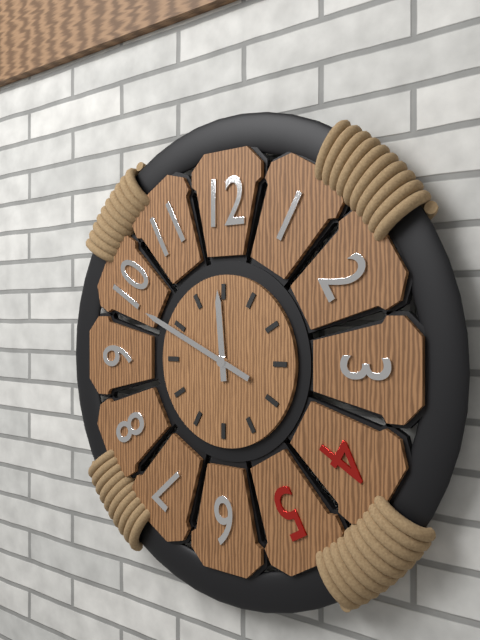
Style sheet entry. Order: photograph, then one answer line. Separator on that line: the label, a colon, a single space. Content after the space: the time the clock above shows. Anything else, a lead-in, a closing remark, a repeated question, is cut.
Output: 11:49
